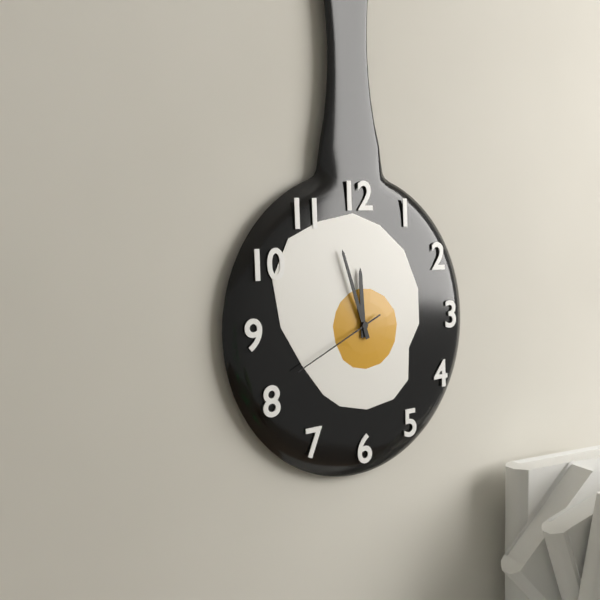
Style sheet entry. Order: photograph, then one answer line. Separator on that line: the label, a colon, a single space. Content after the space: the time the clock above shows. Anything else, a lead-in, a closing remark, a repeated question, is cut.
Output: 11:57:41
